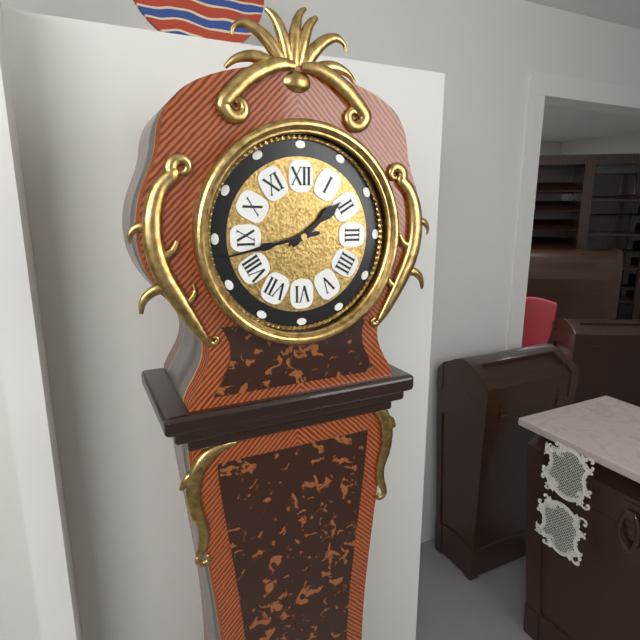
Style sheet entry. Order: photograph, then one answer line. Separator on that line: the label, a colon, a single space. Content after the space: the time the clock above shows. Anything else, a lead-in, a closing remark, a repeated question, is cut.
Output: 1:43
